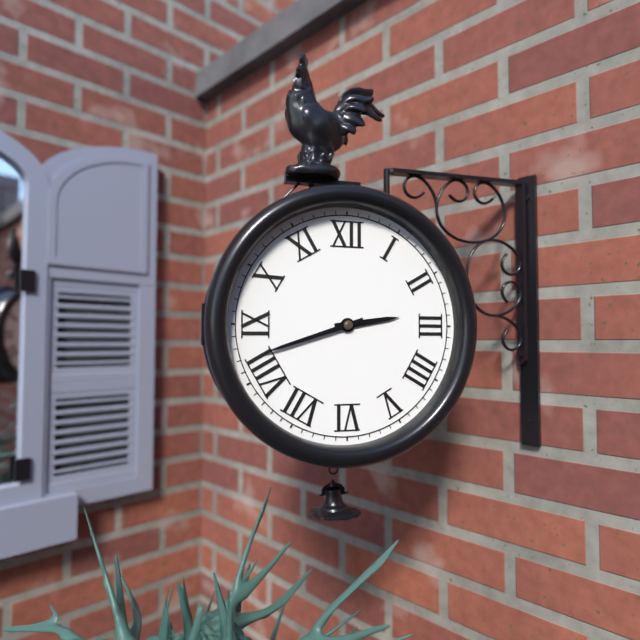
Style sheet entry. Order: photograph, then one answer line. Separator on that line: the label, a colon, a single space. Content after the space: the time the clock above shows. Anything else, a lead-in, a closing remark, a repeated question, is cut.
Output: 2:42
